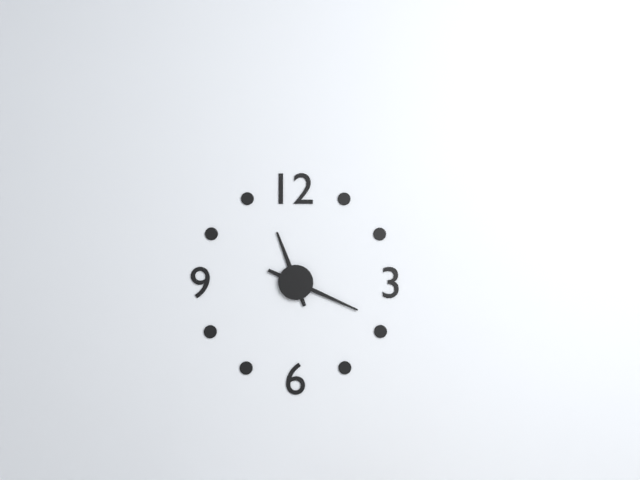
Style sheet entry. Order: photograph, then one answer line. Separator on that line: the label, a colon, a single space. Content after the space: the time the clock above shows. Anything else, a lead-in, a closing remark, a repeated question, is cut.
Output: 11:19
